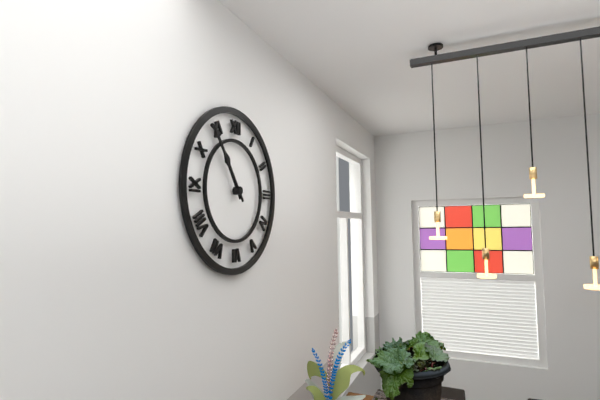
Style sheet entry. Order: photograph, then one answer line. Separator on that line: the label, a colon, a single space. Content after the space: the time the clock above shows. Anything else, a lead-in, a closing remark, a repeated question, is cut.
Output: 10:54
